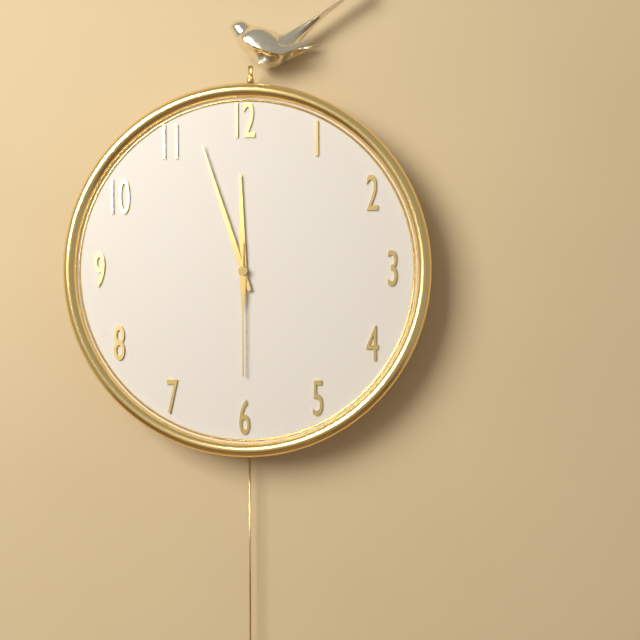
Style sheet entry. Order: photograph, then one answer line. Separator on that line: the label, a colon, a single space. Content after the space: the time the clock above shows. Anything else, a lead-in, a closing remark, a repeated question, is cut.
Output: 11:57:30
